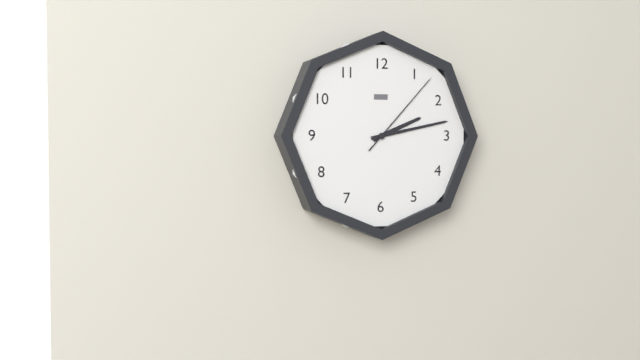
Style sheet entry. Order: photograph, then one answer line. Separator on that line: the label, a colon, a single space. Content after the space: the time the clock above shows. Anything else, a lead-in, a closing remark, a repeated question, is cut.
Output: 2:13:07
